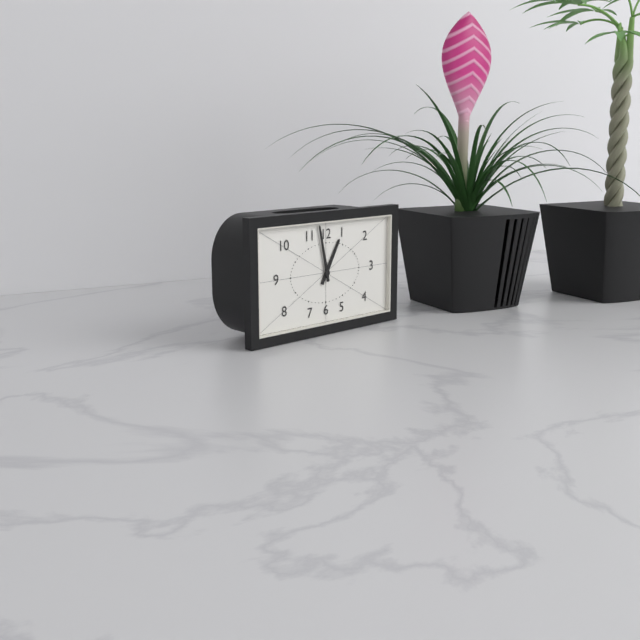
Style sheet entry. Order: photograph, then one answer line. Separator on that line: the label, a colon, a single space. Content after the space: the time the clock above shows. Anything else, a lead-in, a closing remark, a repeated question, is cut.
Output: 12:58
